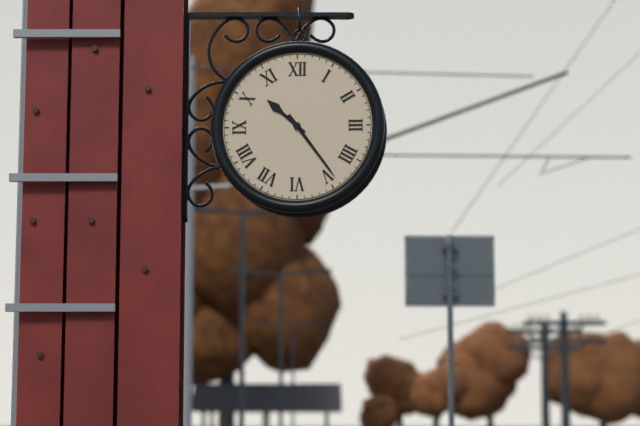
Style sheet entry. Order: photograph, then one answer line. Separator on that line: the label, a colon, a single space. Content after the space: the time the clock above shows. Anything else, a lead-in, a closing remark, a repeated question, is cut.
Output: 10:24
